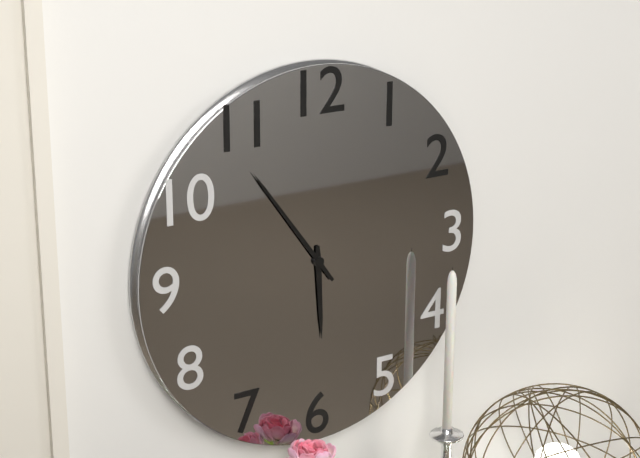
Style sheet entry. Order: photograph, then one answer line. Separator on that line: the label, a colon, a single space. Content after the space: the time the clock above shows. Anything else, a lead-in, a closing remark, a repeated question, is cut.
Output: 5:54
